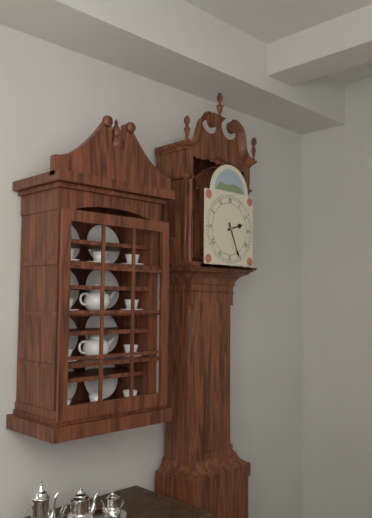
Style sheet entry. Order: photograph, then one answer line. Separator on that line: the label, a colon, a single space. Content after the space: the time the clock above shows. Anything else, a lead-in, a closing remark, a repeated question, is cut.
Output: 2:26
